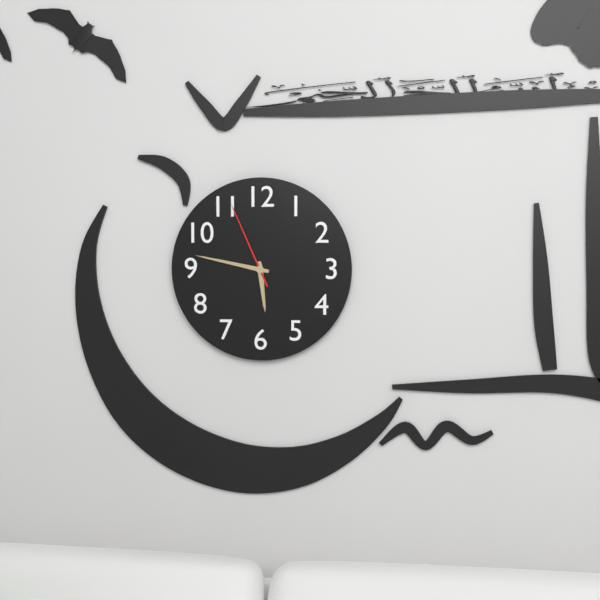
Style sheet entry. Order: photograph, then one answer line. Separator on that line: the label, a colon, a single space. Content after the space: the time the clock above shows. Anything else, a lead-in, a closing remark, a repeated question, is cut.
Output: 5:47:56
